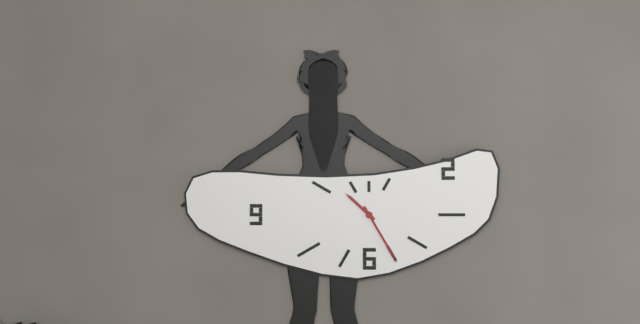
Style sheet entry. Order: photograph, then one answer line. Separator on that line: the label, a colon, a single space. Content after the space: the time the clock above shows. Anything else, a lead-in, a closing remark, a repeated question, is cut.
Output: 10:25
